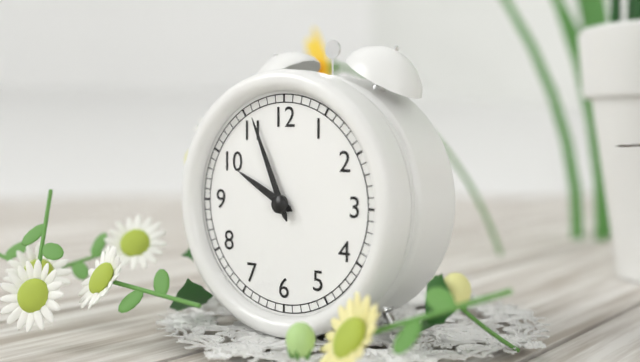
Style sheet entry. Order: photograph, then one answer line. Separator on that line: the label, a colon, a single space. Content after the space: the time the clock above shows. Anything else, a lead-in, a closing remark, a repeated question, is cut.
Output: 9:56
